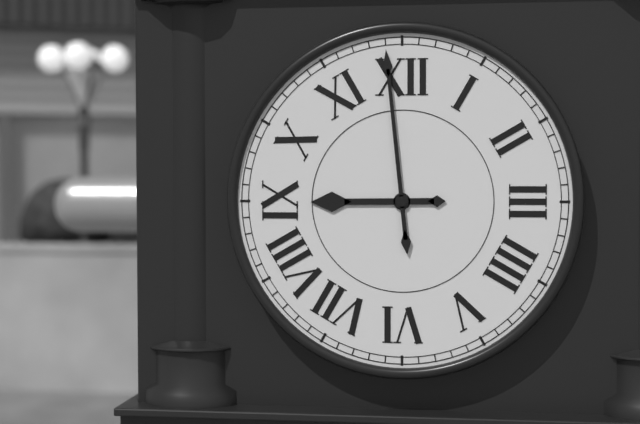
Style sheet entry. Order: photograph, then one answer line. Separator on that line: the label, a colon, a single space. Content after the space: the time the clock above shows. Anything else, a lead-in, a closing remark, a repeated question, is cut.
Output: 8:59
